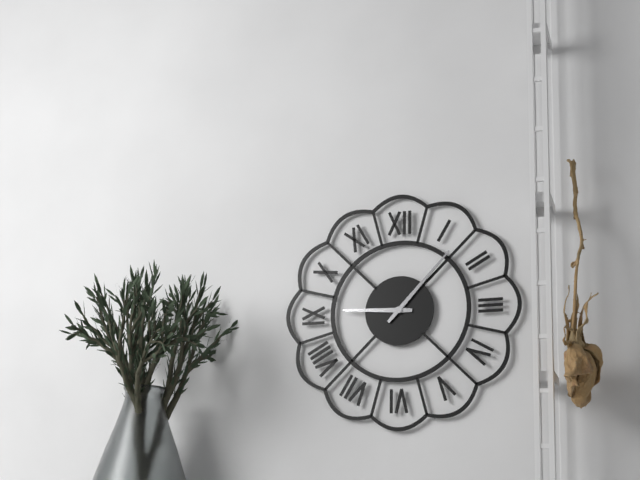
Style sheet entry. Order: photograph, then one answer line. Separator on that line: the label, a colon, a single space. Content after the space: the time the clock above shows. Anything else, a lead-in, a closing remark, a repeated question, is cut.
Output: 9:07
